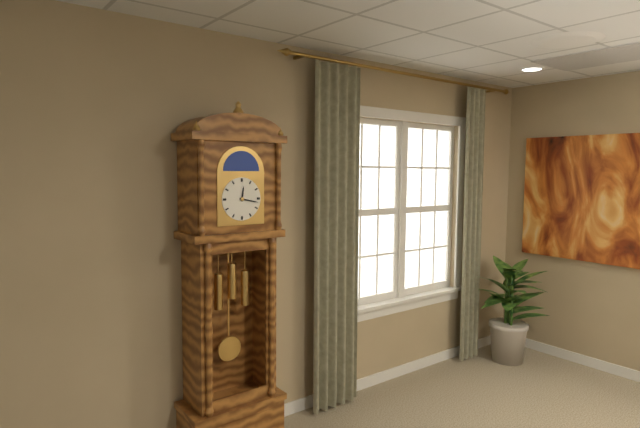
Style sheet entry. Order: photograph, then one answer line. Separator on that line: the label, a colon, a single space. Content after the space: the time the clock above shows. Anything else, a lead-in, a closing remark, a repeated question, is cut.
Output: 12:17
